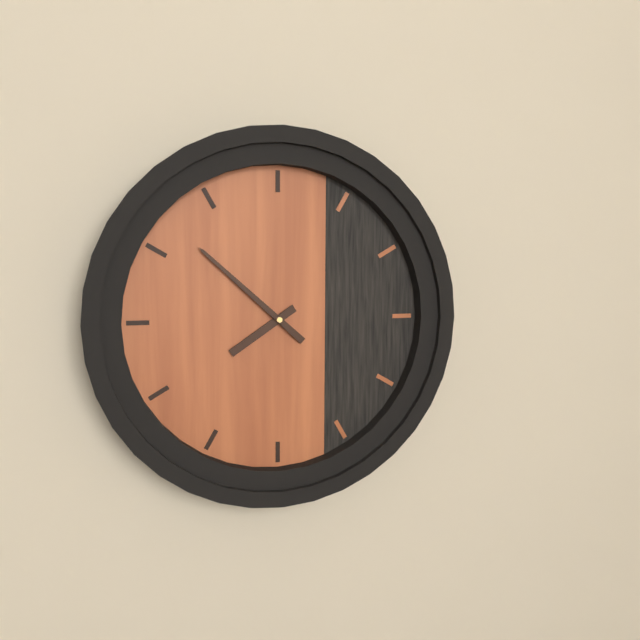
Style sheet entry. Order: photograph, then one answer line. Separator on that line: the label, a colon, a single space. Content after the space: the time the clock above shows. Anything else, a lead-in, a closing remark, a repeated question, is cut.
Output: 7:52
